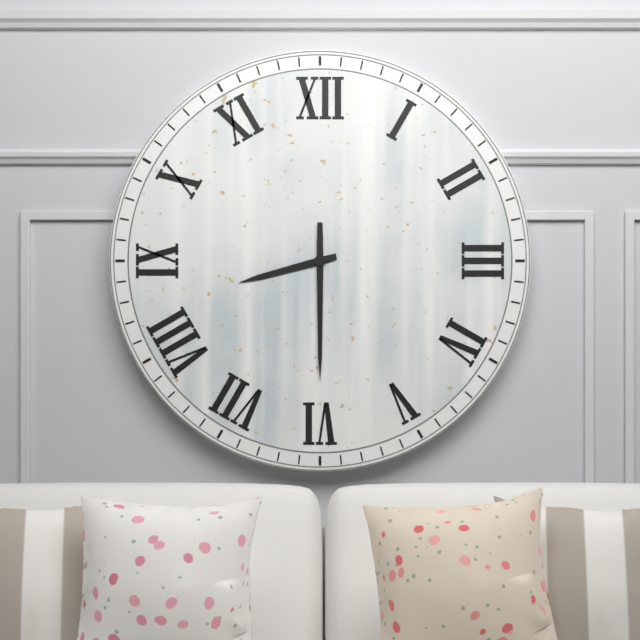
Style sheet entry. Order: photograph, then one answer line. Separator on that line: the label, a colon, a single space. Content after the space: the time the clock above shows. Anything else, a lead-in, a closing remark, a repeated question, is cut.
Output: 8:30
